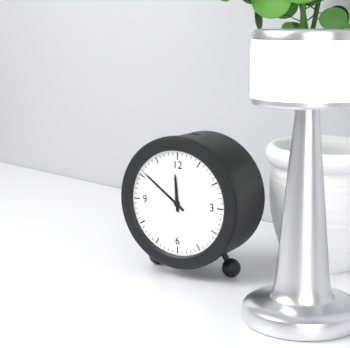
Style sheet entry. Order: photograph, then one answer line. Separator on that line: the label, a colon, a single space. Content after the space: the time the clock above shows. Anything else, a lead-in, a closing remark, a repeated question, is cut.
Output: 11:51
